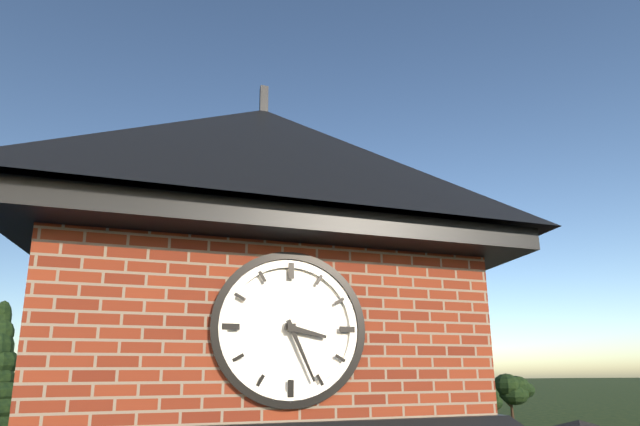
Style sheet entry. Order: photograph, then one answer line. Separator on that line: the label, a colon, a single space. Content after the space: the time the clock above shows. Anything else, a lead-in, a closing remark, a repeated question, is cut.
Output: 3:26
